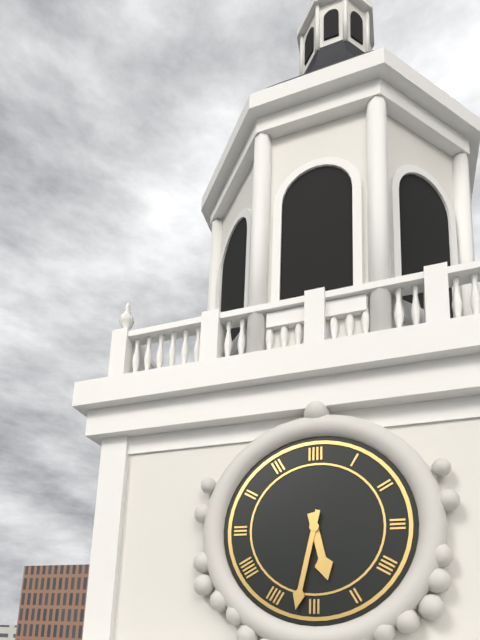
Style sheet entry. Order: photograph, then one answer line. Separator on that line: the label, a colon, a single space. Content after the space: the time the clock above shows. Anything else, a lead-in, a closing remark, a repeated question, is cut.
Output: 5:32
